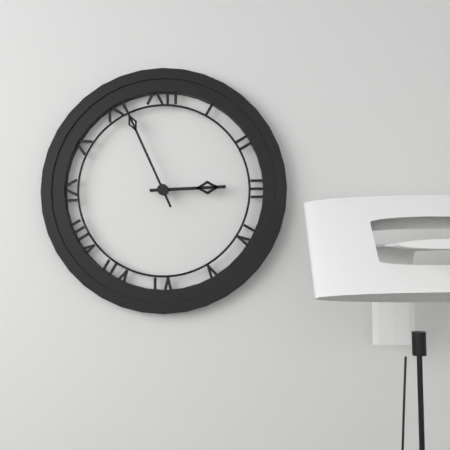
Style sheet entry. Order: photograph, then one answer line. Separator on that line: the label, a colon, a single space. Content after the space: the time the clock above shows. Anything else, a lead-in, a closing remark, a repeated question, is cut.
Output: 2:56
